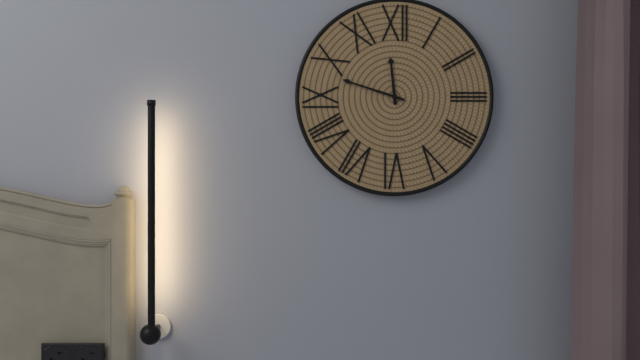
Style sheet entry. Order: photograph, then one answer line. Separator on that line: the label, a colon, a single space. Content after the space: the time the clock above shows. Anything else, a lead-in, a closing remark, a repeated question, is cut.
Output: 11:48
